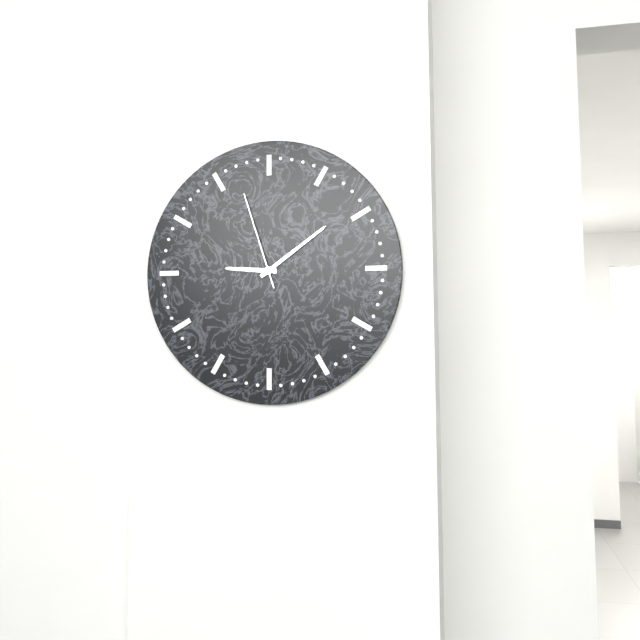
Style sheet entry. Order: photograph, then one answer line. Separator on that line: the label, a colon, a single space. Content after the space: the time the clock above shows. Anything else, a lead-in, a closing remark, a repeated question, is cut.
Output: 9:09:57
